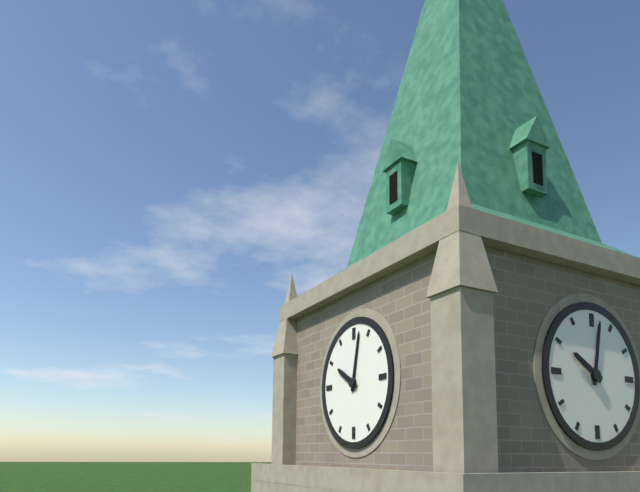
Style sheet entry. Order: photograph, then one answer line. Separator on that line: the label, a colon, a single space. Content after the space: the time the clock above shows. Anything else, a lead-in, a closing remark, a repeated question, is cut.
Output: 10:02
